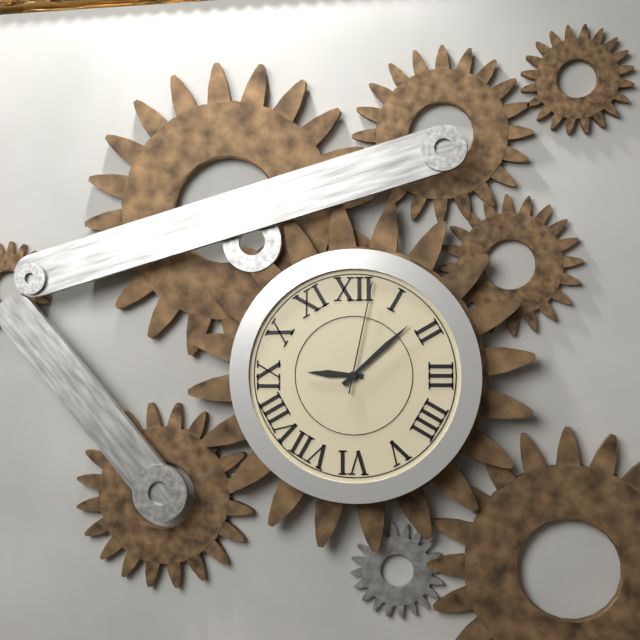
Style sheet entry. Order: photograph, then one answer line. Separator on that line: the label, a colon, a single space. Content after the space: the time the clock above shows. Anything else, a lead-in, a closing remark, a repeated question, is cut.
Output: 9:08:02
